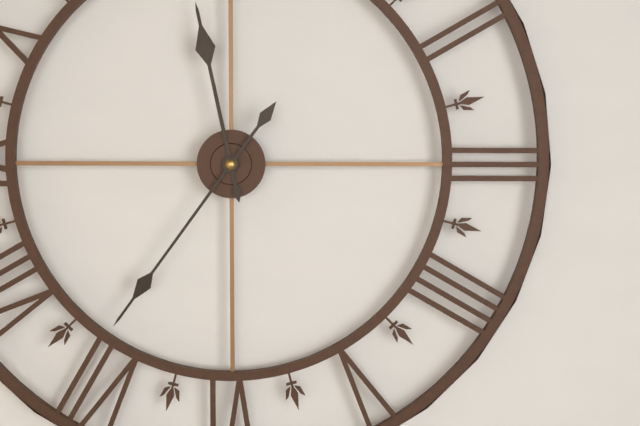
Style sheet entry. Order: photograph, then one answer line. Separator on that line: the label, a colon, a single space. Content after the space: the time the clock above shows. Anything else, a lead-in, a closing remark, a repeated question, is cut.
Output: 11:36
